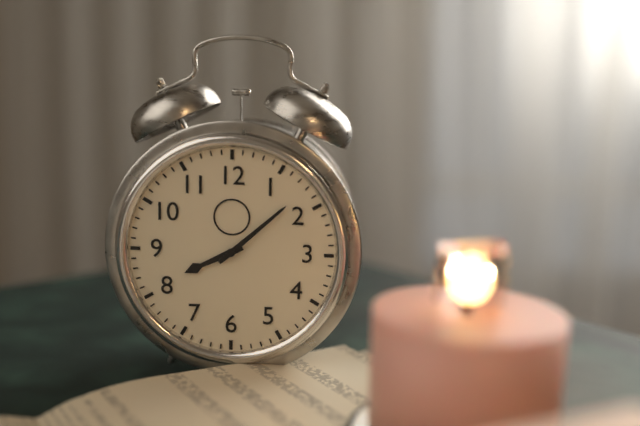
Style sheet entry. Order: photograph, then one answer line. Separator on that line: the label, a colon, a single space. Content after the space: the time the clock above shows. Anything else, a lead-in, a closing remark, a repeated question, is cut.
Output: 8:08
